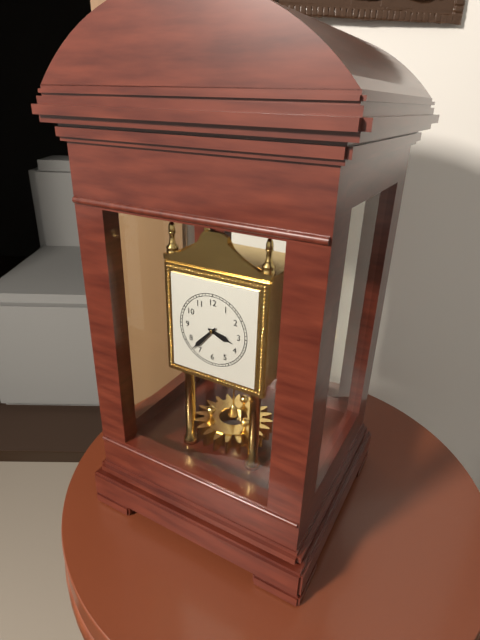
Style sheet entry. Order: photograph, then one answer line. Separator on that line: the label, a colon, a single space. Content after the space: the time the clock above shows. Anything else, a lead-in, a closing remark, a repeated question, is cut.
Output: 3:37
